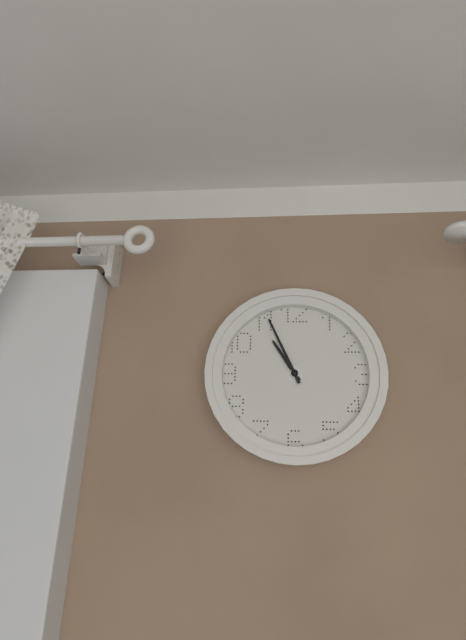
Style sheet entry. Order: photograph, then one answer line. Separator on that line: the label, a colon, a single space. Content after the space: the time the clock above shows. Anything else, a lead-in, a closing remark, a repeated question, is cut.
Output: 10:56
